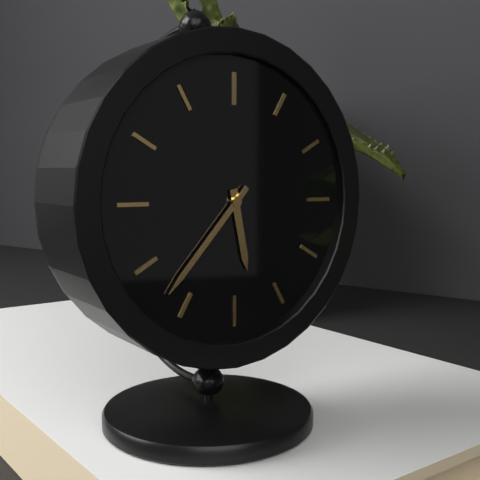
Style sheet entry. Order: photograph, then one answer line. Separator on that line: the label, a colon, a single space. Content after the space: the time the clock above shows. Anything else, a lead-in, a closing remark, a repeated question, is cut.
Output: 5:37
